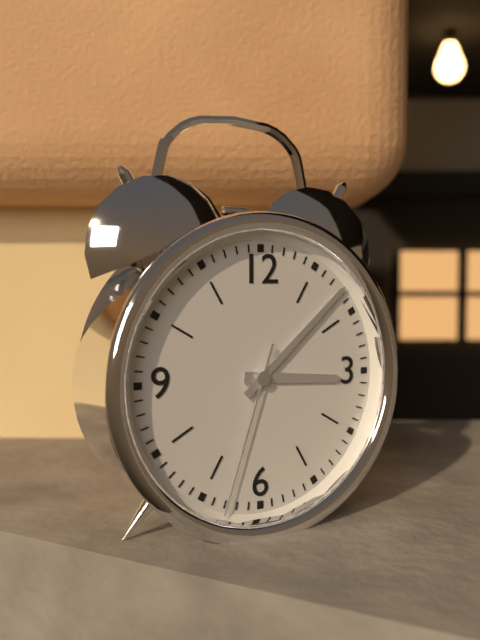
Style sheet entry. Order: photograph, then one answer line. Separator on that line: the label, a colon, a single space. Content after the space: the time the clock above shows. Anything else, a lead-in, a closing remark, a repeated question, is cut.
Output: 3:08:33
